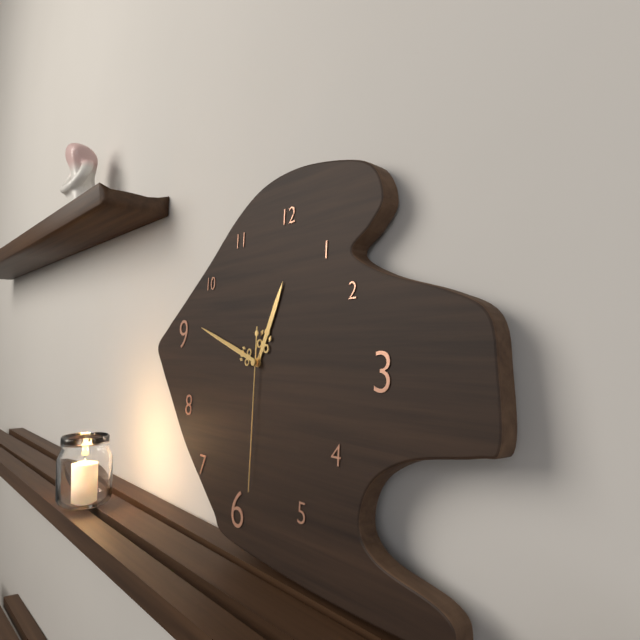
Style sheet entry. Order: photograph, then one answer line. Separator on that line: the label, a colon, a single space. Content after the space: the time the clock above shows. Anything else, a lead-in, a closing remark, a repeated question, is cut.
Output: 12:48:30
